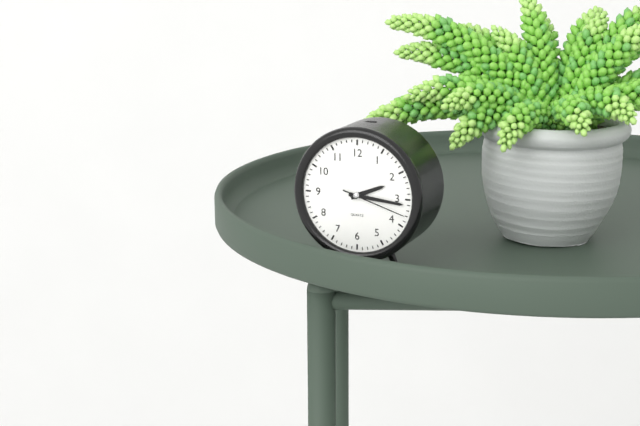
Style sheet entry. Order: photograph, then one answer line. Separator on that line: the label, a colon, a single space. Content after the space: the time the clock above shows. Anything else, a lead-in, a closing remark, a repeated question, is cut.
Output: 2:16:18
